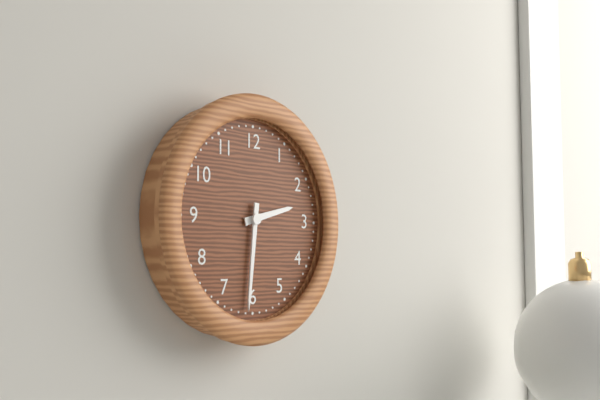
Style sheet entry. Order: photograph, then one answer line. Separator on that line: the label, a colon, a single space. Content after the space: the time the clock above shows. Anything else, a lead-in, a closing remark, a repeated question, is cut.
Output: 2:31
